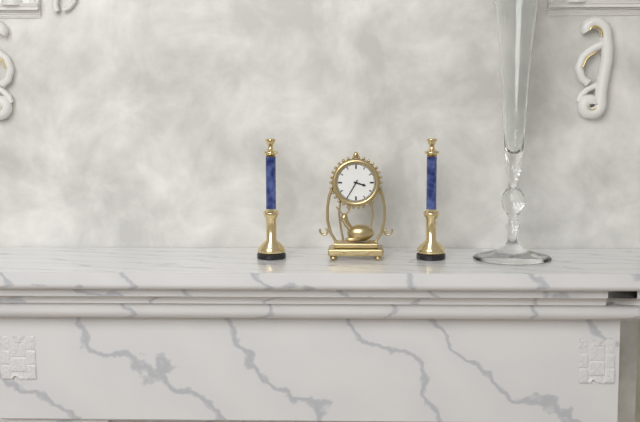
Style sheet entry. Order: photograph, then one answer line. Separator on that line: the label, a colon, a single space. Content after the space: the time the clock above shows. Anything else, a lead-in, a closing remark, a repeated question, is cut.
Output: 3:35
